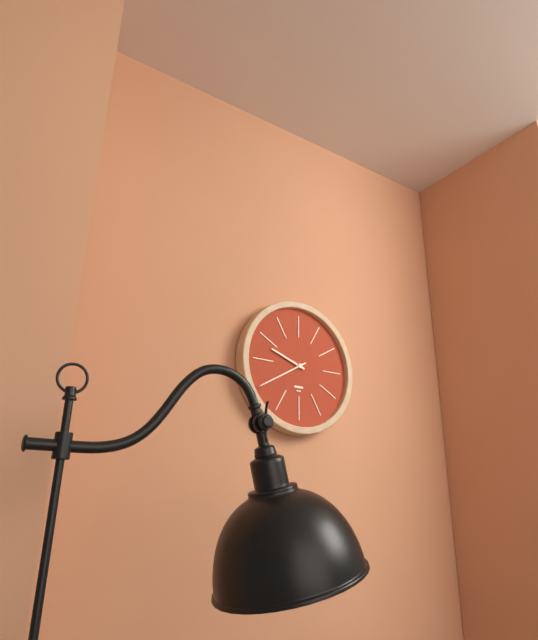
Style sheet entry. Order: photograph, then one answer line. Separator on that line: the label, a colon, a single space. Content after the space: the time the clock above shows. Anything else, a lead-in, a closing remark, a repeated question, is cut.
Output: 9:40
